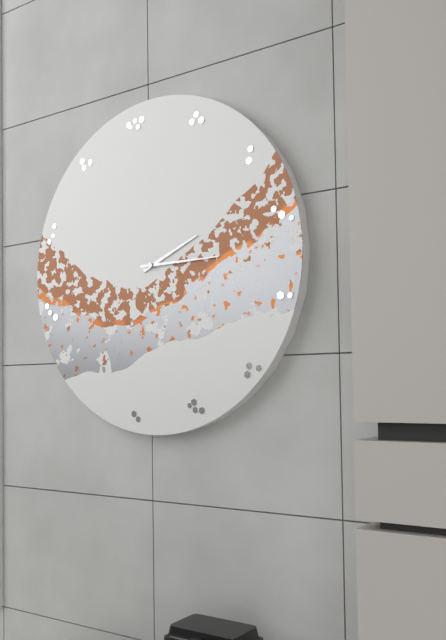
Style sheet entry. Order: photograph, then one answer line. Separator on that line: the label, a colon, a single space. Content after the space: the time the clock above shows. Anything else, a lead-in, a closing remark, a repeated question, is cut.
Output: 2:15
